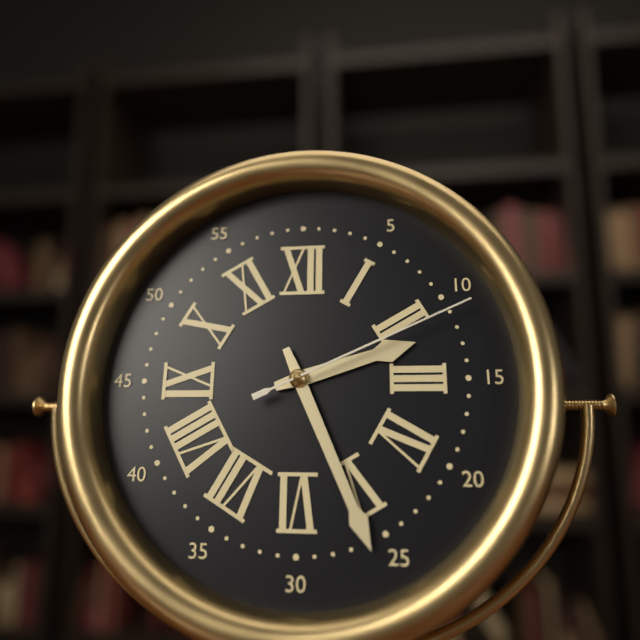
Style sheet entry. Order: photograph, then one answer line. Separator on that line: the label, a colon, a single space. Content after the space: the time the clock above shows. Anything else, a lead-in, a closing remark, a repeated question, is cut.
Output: 2:26:11
